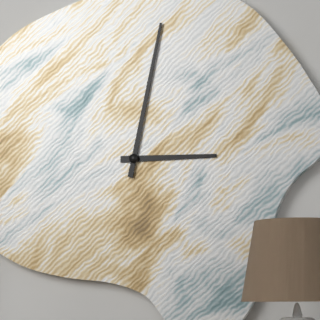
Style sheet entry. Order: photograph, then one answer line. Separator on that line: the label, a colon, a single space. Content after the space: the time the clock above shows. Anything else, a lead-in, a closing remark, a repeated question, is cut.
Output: 3:02
